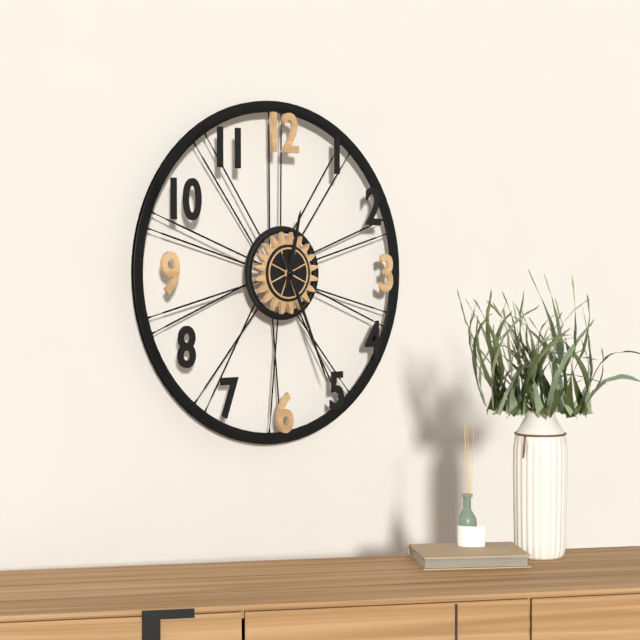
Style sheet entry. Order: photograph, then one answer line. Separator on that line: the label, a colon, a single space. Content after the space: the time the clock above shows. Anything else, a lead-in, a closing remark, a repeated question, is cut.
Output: 12:26
